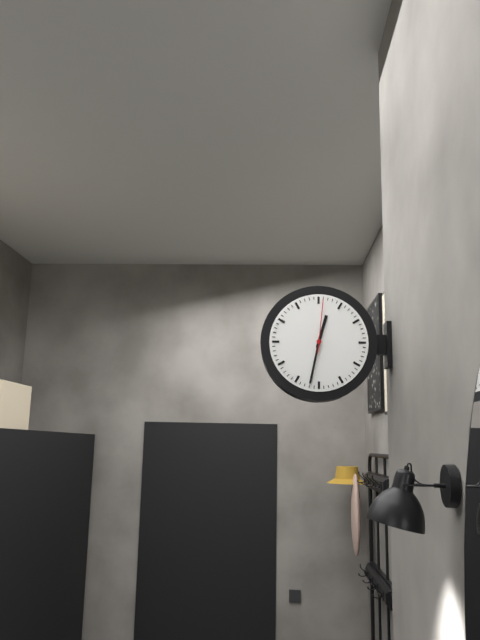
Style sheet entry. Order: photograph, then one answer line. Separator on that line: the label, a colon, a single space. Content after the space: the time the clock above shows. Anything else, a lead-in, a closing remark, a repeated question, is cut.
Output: 12:32:01
